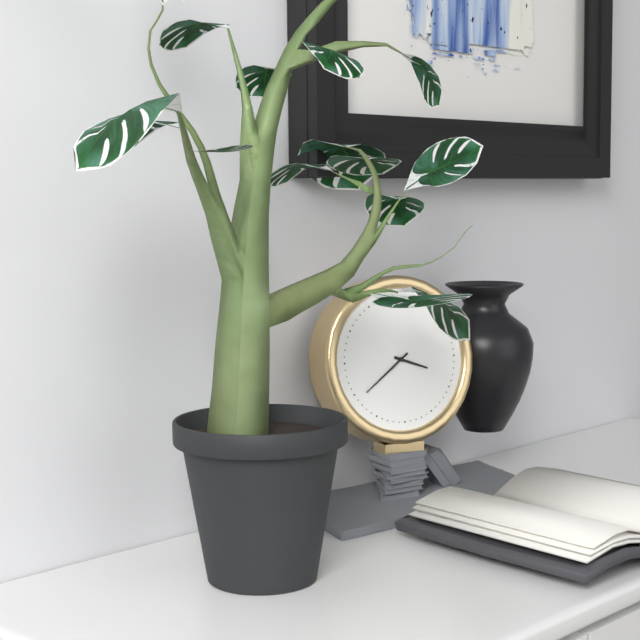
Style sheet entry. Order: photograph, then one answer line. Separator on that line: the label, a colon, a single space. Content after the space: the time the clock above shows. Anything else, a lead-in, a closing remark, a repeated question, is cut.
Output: 3:39
